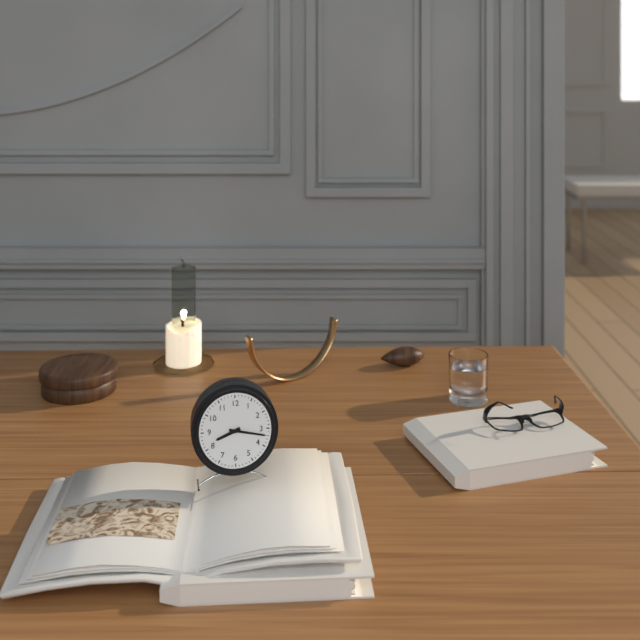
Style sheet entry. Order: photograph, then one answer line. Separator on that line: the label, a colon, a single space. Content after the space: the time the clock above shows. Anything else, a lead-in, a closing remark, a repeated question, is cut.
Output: 8:17
